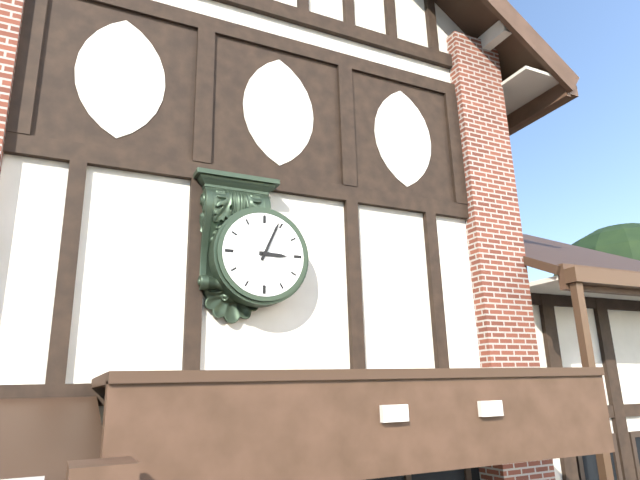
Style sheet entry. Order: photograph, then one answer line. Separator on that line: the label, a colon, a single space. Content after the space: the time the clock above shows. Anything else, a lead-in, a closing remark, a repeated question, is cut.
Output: 3:04
